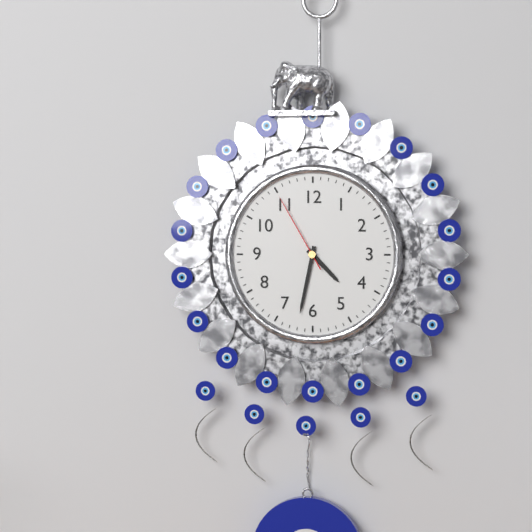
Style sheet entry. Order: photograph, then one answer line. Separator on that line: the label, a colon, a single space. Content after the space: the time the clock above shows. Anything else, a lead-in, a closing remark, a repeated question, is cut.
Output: 4:32:55
